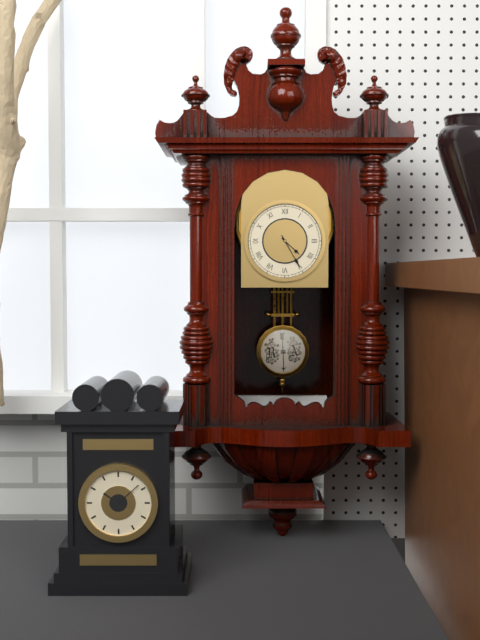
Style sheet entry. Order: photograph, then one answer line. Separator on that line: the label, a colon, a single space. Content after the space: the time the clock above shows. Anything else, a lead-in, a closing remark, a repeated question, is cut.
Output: 4:25
